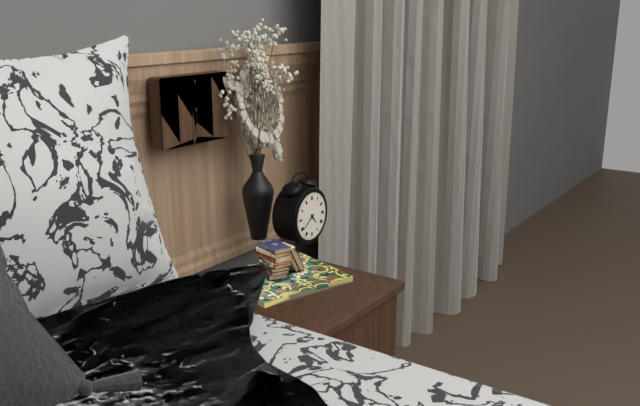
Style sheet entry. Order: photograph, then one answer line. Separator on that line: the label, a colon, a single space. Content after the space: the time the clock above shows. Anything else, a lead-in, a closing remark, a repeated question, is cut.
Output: 4:39
